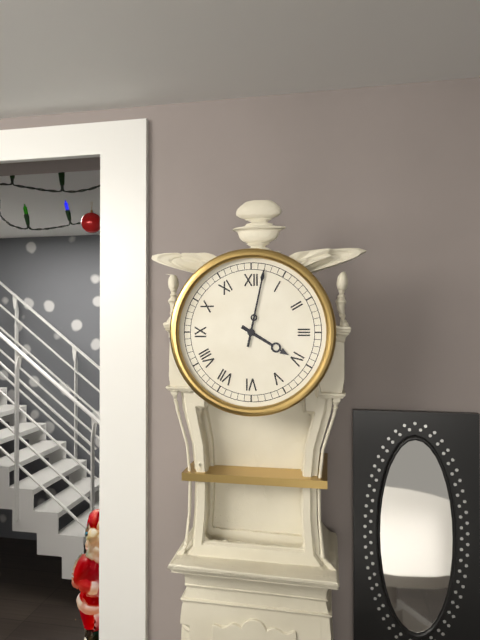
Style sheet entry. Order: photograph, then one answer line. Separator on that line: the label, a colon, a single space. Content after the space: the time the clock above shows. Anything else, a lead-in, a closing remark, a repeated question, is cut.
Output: 4:02
